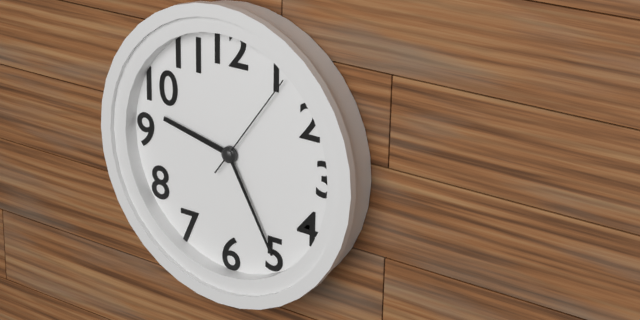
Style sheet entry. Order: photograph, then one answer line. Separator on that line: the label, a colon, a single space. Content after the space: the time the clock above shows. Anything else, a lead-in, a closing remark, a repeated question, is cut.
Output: 9:25:06
